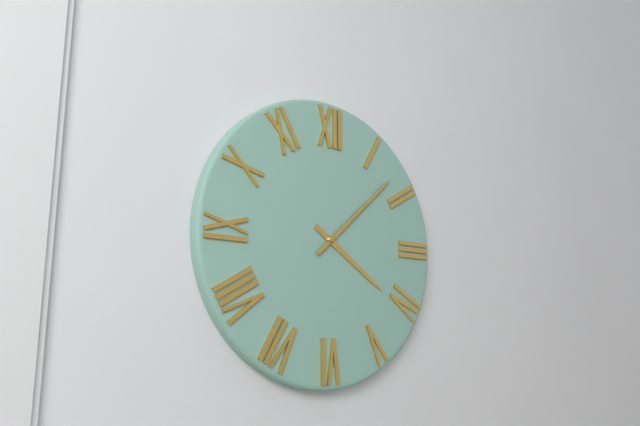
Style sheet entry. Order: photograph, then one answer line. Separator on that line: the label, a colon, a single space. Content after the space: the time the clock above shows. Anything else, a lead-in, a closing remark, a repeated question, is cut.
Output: 4:08
